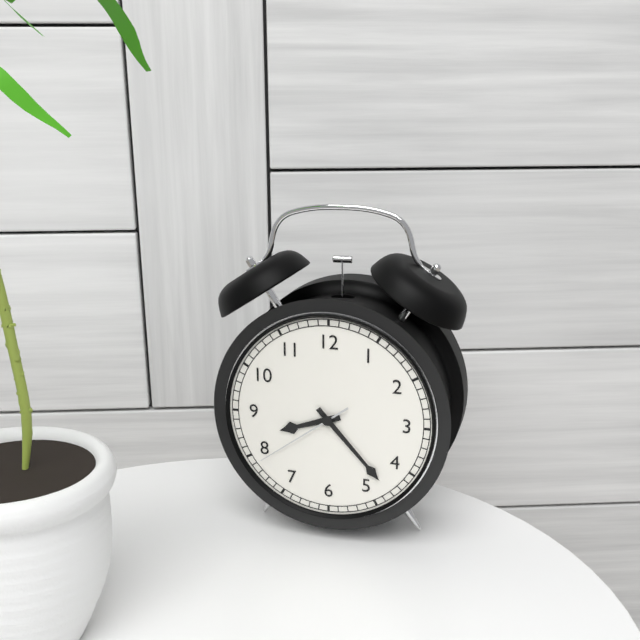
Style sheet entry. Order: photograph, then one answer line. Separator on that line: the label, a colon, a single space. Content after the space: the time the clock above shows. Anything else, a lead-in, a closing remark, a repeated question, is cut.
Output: 8:23:39
